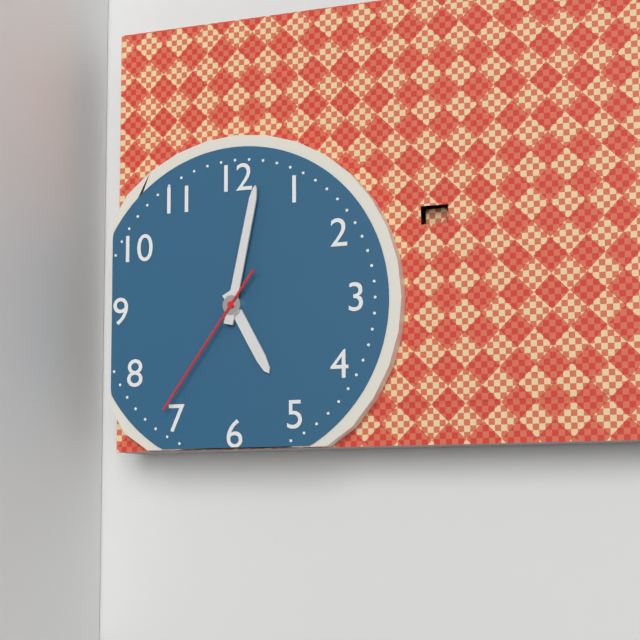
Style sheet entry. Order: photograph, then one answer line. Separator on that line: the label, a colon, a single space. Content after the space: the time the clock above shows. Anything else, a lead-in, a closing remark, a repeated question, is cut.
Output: 5:02:36
